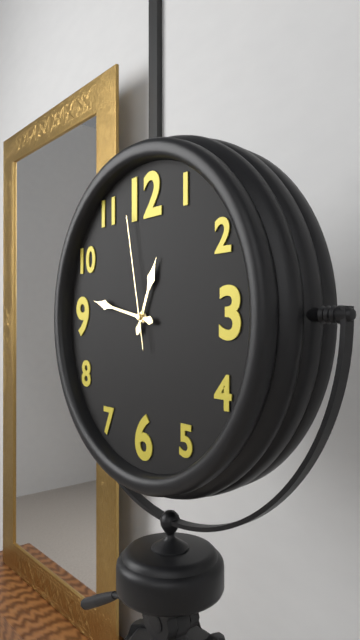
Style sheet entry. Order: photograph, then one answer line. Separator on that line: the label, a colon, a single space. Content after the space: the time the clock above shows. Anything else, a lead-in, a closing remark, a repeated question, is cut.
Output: 12:47:58
